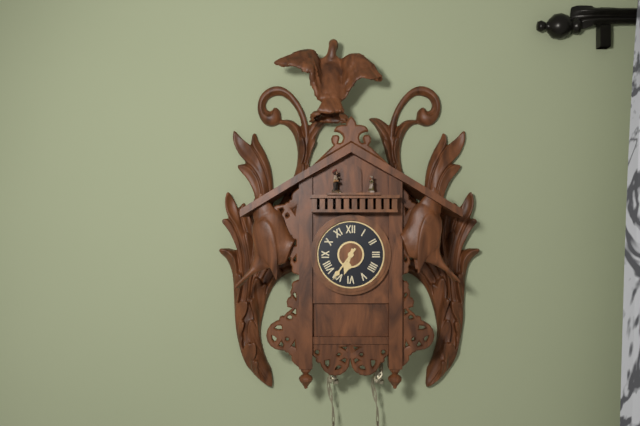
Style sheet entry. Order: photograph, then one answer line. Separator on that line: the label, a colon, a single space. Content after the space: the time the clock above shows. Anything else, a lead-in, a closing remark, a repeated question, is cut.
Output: 6:36
